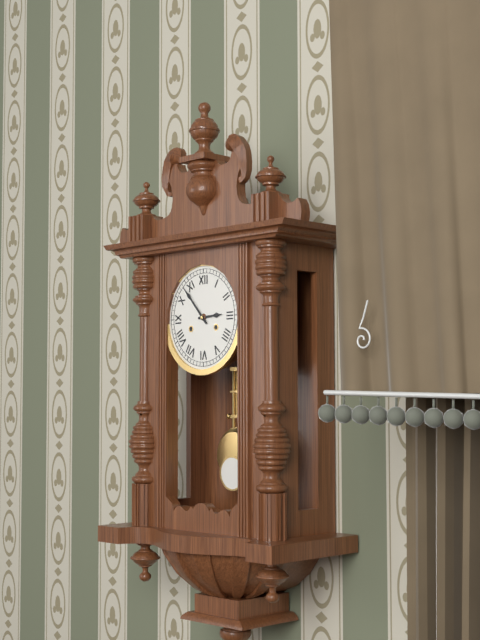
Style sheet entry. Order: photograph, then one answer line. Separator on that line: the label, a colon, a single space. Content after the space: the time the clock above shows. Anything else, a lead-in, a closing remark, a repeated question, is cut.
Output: 2:53
